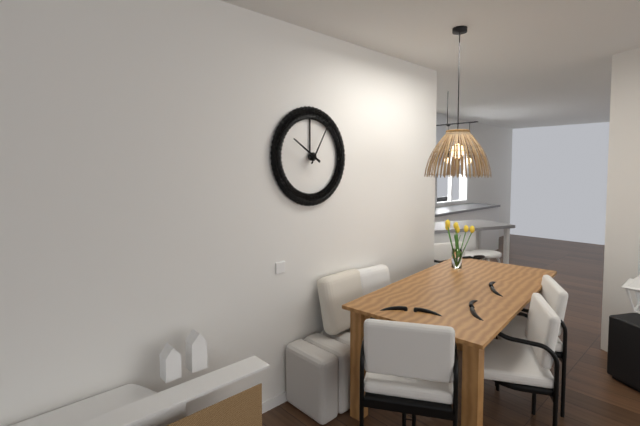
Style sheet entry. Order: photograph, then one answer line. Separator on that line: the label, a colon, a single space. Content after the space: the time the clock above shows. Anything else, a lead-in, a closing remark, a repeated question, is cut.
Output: 10:05
